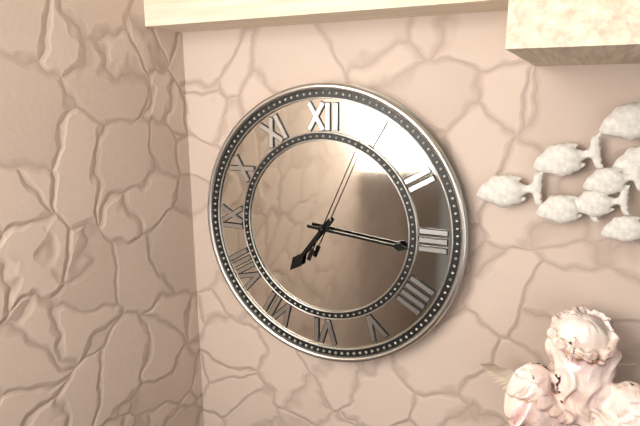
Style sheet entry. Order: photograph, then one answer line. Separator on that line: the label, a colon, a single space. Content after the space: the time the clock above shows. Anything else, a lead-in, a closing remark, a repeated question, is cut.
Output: 7:16:04
